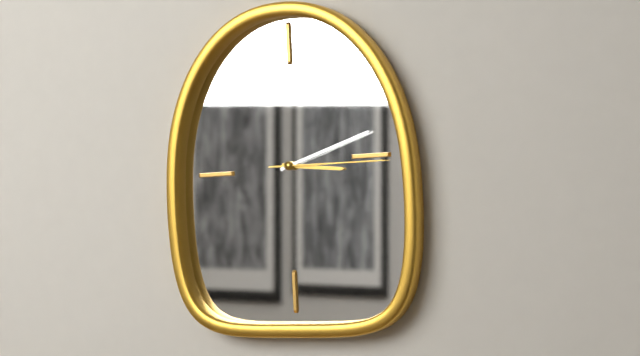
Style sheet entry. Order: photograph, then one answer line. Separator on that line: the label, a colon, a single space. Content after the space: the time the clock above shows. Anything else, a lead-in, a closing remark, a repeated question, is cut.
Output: 3:12:15
